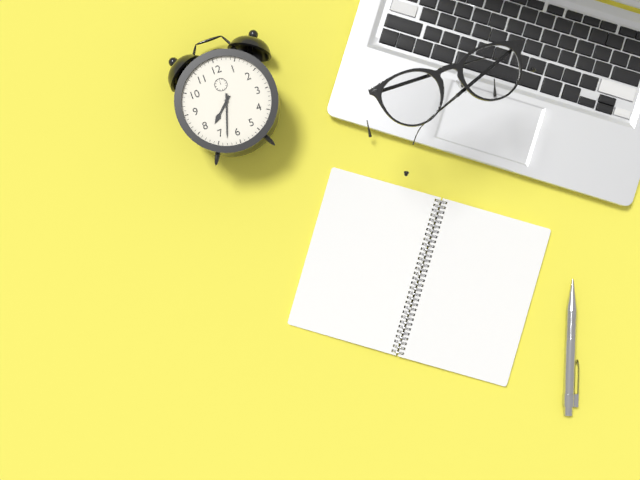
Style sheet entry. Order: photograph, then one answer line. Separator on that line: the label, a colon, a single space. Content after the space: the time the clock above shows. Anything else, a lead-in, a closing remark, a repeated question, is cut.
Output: 7:33
